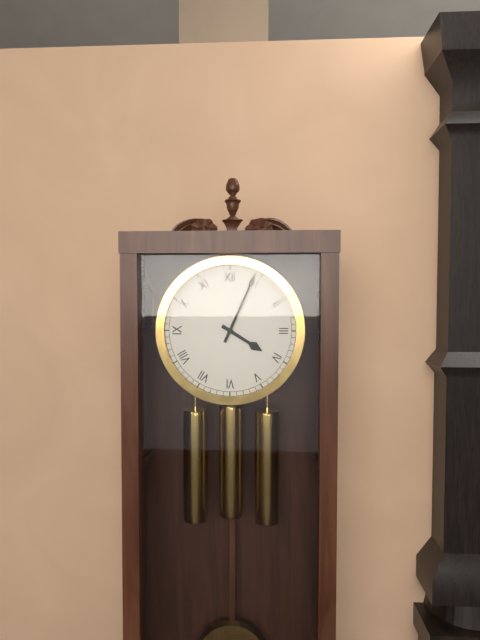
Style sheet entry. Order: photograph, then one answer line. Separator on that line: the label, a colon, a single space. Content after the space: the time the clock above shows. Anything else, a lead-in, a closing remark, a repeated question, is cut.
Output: 4:04
